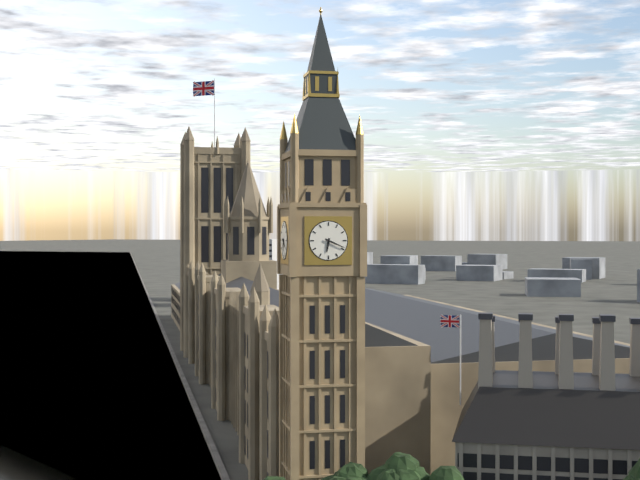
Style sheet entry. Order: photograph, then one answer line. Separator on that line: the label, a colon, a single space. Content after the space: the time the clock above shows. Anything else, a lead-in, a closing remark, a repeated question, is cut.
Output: 6:19
